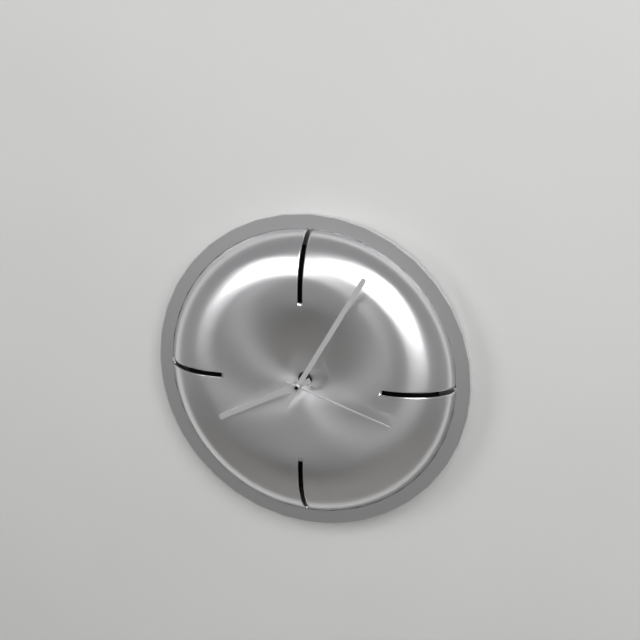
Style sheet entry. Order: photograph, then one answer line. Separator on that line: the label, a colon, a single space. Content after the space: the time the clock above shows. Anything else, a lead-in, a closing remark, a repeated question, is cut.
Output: 8:05:18
